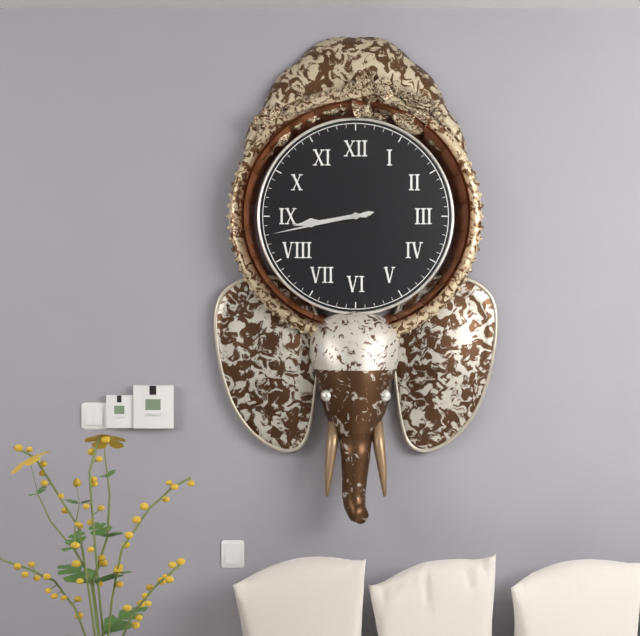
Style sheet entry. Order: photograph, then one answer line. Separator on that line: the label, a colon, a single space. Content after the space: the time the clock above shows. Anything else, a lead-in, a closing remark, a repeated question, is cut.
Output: 8:43
